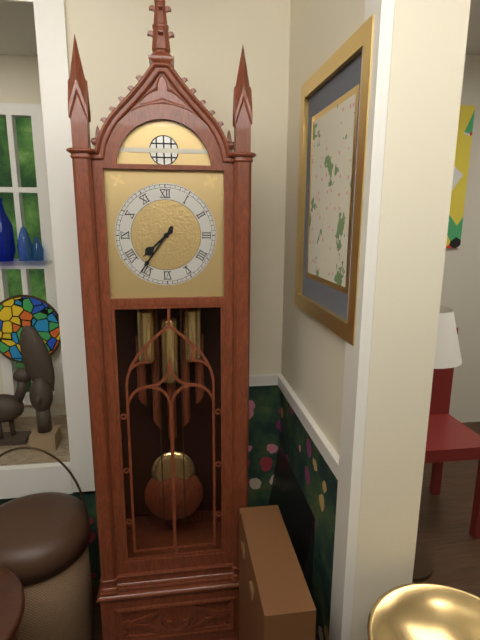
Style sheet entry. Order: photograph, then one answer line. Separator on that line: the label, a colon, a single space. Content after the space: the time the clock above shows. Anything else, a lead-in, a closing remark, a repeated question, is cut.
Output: 7:36
